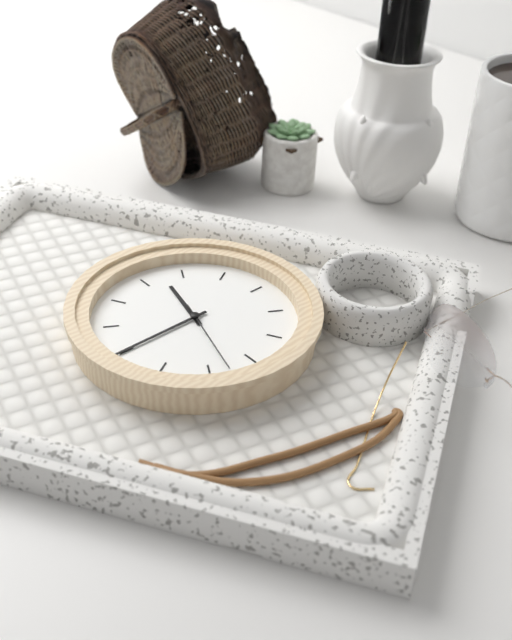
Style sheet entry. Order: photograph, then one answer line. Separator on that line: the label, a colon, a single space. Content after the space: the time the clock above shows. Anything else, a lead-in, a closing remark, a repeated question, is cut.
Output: 9:30:18
